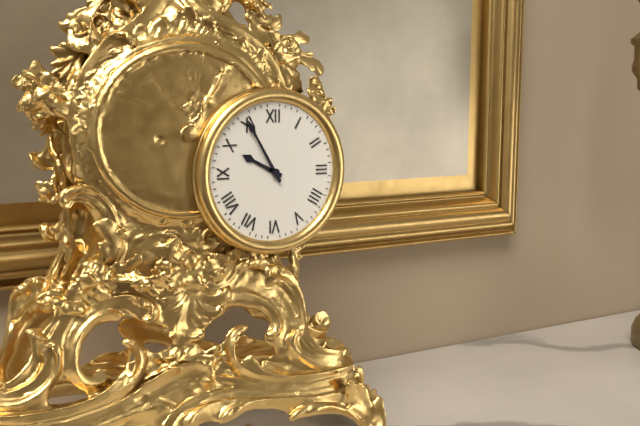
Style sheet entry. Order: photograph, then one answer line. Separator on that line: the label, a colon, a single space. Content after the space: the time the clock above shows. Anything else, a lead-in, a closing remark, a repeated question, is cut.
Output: 9:55
